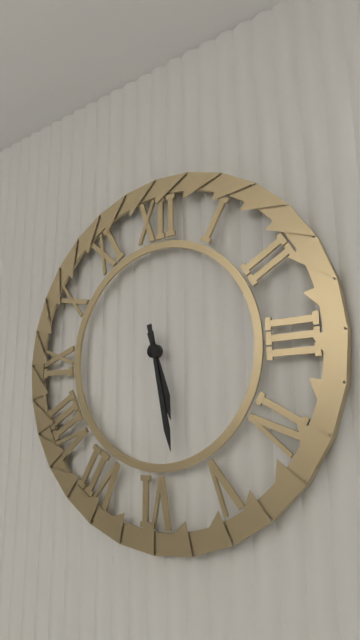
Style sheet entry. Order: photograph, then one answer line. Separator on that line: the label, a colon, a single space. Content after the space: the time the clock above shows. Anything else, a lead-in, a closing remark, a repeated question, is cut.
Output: 5:28
